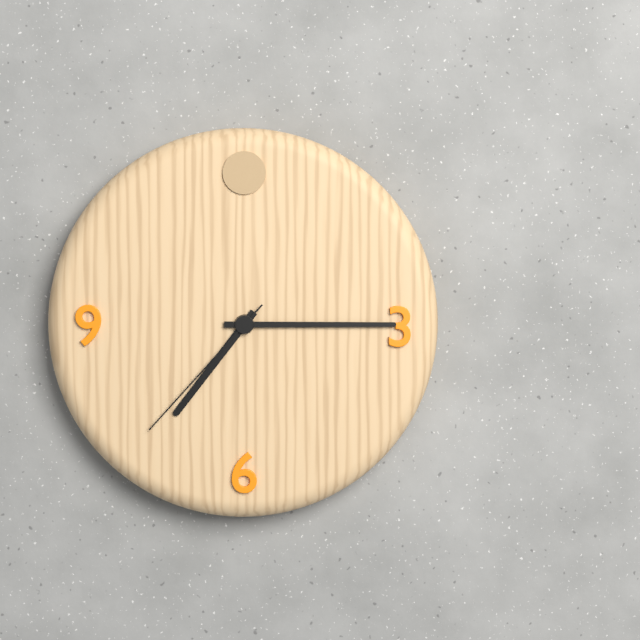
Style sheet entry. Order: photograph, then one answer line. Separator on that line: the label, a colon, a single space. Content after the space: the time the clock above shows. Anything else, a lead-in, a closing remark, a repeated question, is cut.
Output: 7:15:37
